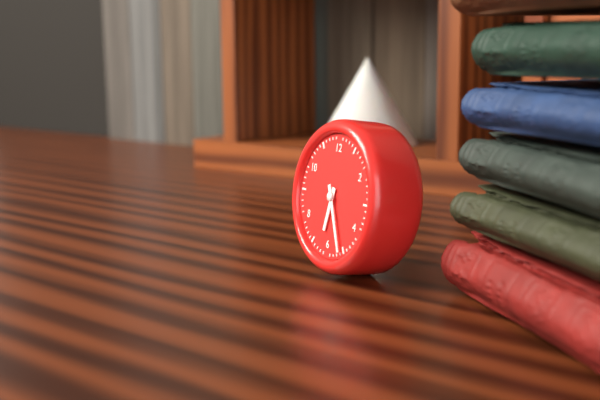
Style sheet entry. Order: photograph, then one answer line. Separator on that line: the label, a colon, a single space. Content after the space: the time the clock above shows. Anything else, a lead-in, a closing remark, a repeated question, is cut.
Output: 6:26
